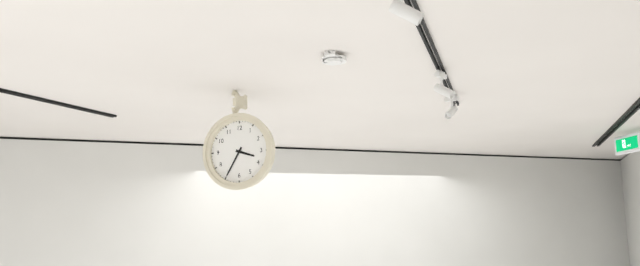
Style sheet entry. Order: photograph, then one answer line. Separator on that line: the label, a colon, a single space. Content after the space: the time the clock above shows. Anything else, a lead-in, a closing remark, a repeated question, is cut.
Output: 3:35
